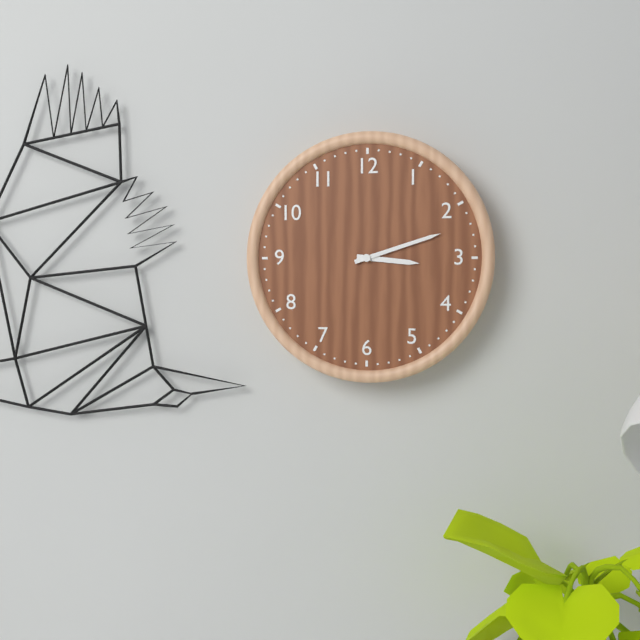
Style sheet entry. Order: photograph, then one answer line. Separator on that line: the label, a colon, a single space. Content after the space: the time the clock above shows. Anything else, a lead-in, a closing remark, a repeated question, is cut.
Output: 3:12
